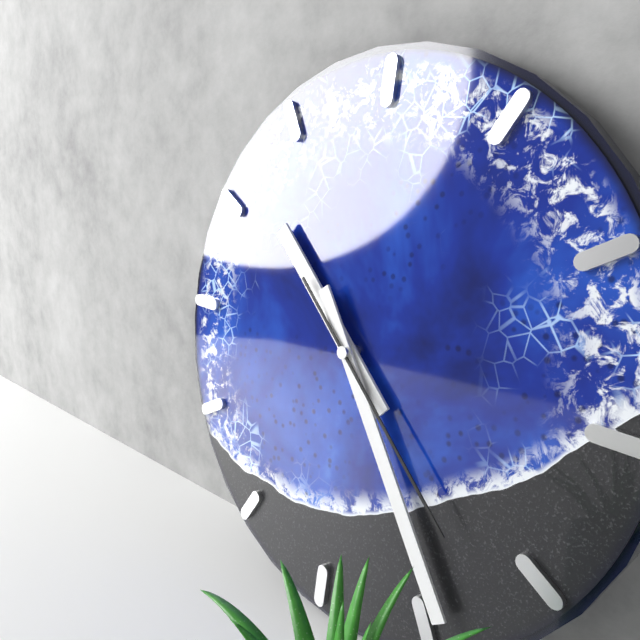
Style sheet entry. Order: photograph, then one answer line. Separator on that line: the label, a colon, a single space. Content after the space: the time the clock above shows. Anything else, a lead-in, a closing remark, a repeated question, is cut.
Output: 10:24:22
